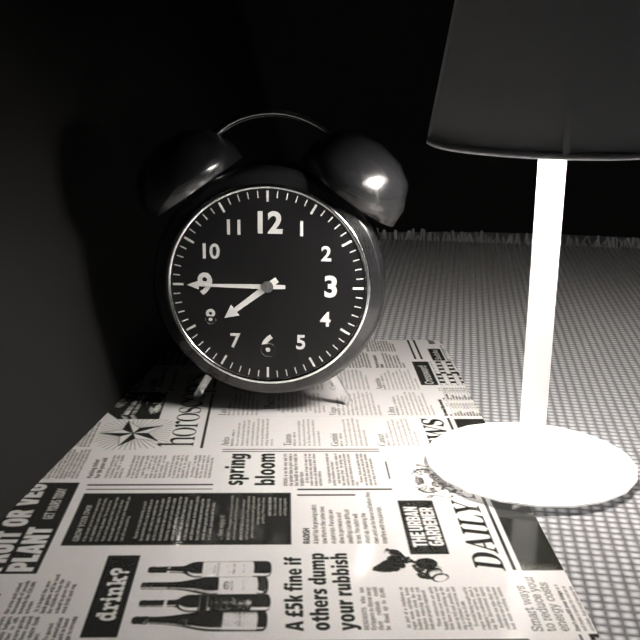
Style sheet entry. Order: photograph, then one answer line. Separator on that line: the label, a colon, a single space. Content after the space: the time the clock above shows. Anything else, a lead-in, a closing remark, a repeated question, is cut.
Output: 7:45
